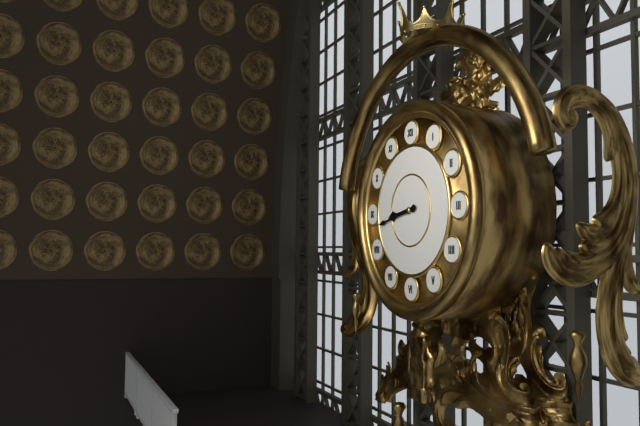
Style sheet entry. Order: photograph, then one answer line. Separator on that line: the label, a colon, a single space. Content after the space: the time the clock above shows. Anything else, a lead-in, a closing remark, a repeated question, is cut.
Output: 8:43
